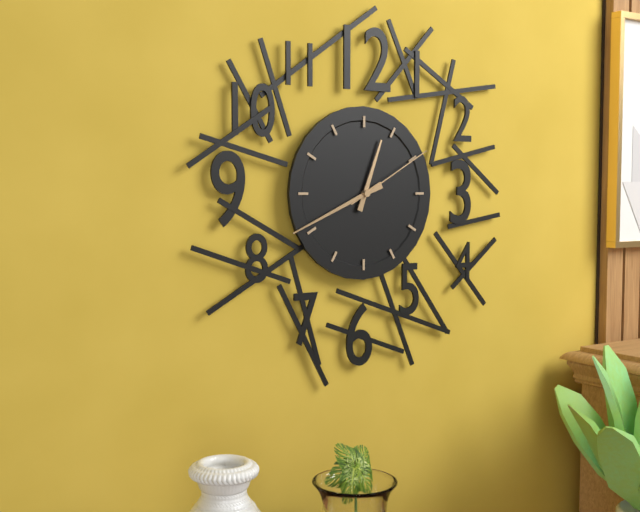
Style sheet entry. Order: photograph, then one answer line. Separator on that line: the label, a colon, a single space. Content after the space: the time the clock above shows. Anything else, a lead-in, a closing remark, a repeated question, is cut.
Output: 12:41:10
